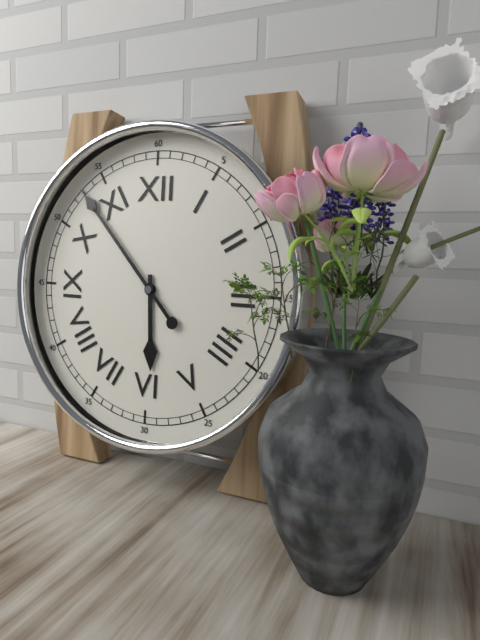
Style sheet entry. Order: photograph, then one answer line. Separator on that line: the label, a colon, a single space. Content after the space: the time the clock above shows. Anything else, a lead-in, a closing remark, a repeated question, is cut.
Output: 5:53
